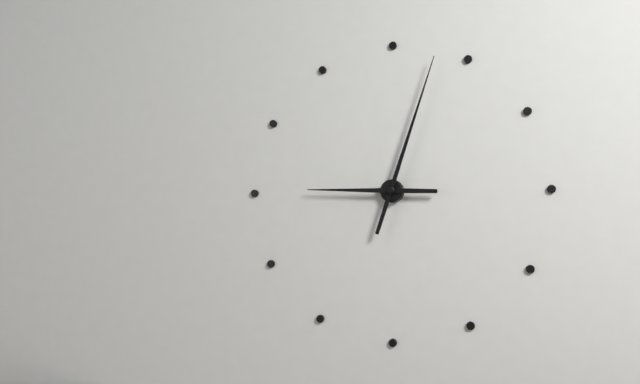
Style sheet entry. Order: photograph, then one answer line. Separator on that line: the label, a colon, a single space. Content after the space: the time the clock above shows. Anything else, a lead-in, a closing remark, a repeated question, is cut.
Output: 9:03
